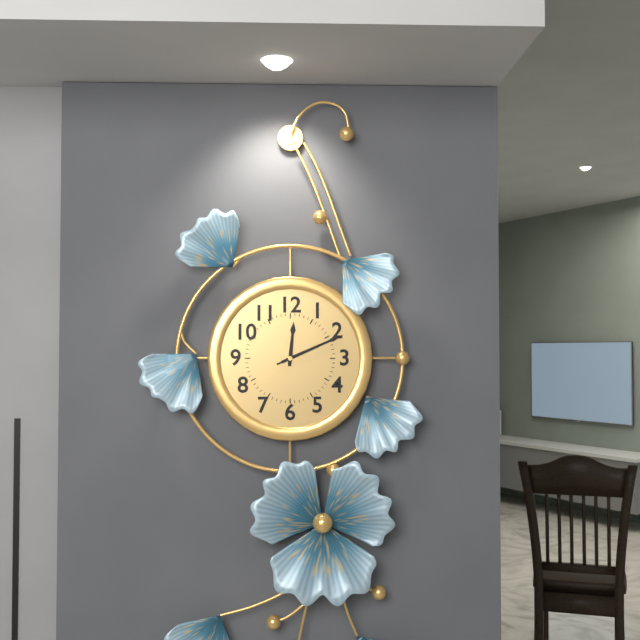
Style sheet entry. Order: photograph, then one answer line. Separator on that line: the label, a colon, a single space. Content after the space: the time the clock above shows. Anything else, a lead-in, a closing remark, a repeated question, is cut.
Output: 12:11:11
